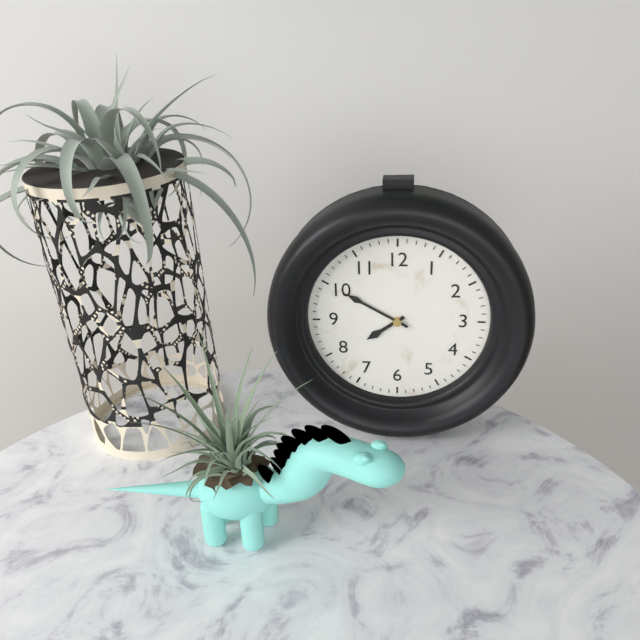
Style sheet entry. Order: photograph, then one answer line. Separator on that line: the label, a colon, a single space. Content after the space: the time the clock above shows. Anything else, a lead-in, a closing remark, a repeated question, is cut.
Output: 7:50
